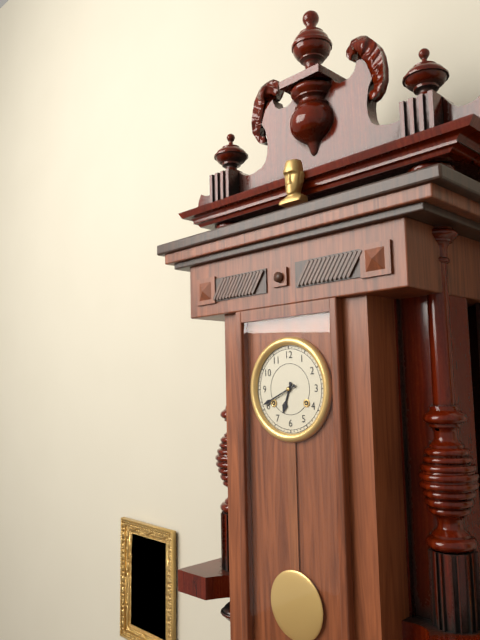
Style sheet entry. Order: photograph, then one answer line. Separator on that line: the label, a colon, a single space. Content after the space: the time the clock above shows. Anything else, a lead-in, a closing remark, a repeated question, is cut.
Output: 6:41
